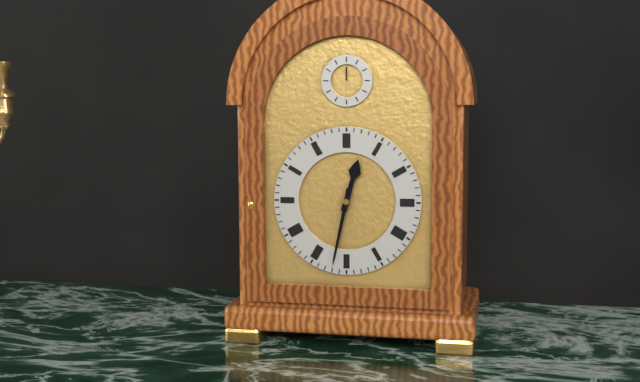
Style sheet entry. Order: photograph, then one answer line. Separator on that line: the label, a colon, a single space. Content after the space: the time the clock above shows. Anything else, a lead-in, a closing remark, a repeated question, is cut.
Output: 12:32
